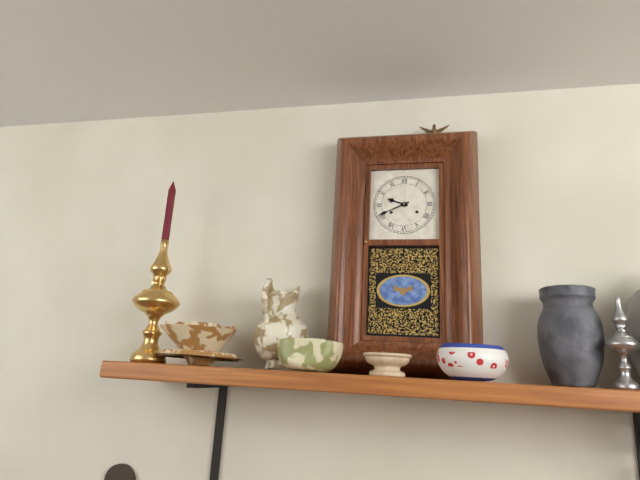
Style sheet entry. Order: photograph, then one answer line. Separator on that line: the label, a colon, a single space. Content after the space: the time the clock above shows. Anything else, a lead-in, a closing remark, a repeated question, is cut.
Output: 9:41
